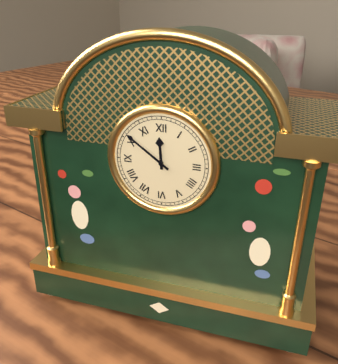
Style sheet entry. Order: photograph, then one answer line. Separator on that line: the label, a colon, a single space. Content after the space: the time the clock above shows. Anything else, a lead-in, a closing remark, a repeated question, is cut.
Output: 11:51
